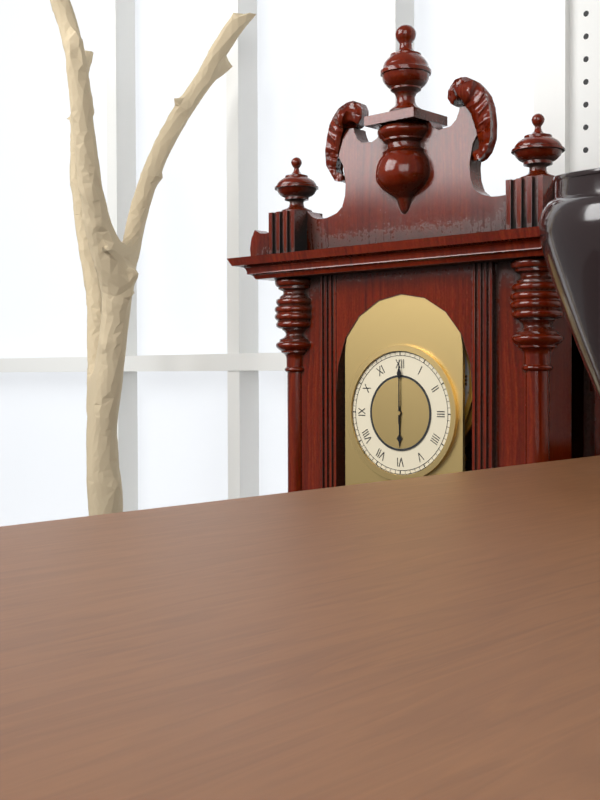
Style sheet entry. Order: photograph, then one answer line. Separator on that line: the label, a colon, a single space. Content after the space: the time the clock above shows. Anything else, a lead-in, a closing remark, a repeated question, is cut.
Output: 6:00
